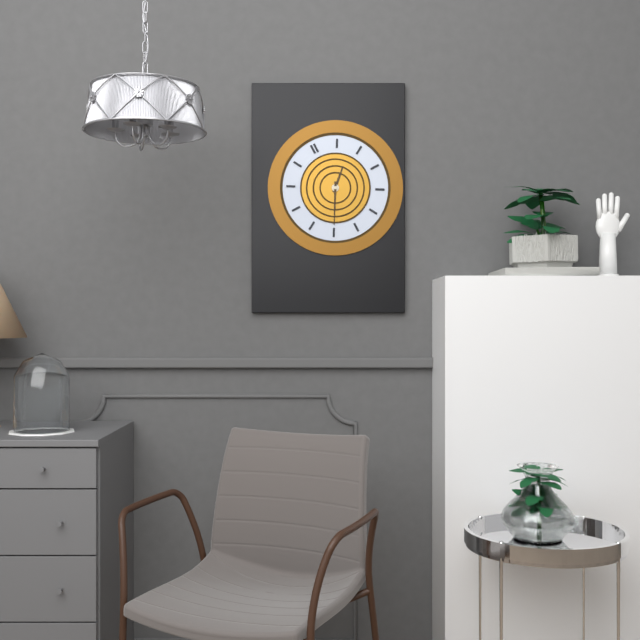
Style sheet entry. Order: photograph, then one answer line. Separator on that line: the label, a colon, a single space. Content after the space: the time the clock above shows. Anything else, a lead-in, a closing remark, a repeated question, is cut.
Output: 1:35
